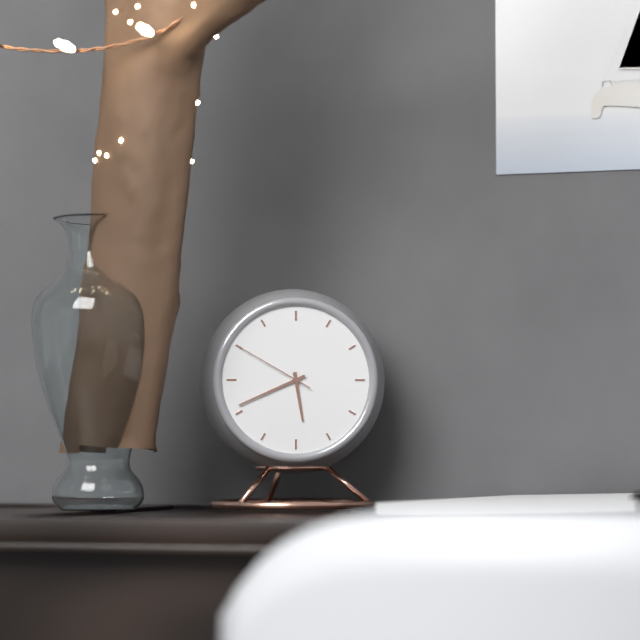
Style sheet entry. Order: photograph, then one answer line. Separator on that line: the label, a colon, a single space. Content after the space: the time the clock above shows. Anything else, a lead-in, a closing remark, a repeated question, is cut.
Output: 5:41:50
